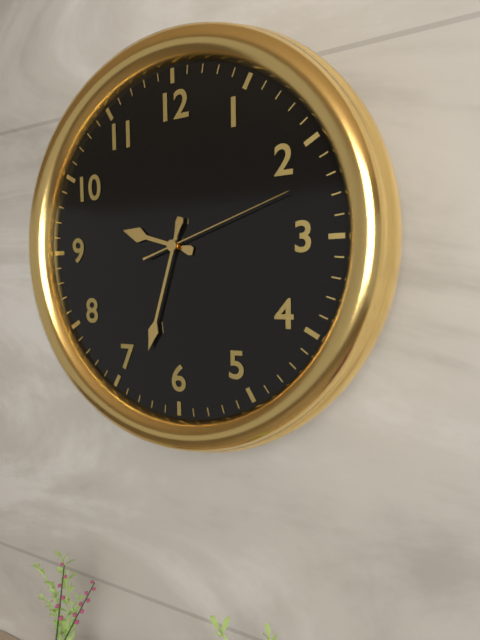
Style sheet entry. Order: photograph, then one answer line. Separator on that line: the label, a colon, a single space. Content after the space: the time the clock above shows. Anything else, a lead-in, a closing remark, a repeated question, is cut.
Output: 9:33:12
